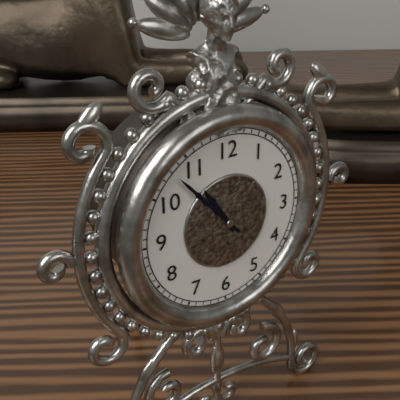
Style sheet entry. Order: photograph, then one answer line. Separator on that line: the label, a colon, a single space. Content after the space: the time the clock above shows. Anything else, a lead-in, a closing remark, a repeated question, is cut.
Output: 10:53
